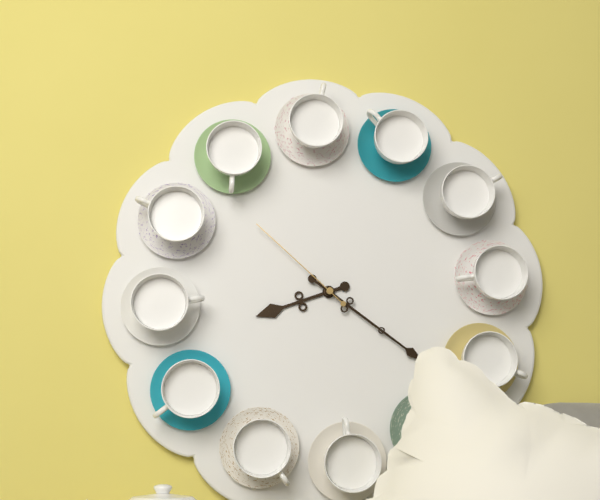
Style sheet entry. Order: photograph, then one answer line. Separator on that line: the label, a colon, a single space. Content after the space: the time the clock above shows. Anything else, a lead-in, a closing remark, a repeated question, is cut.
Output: 8:21:52
